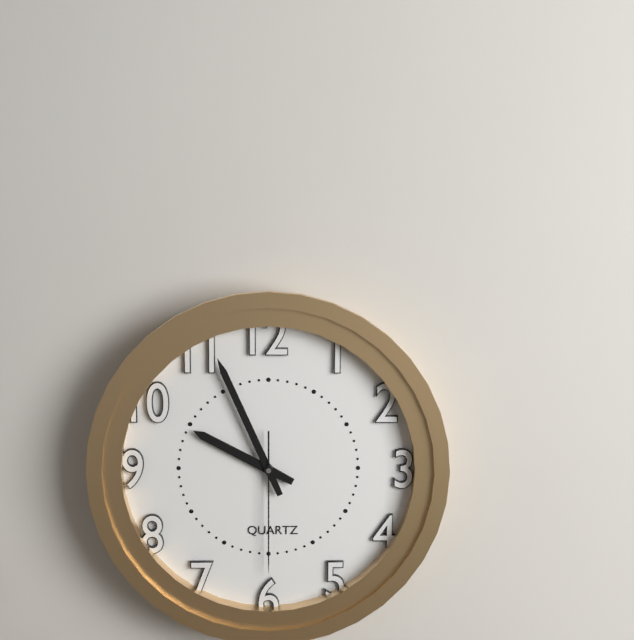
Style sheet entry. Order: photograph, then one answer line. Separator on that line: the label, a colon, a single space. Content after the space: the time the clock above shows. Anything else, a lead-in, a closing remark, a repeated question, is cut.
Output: 9:56:30
